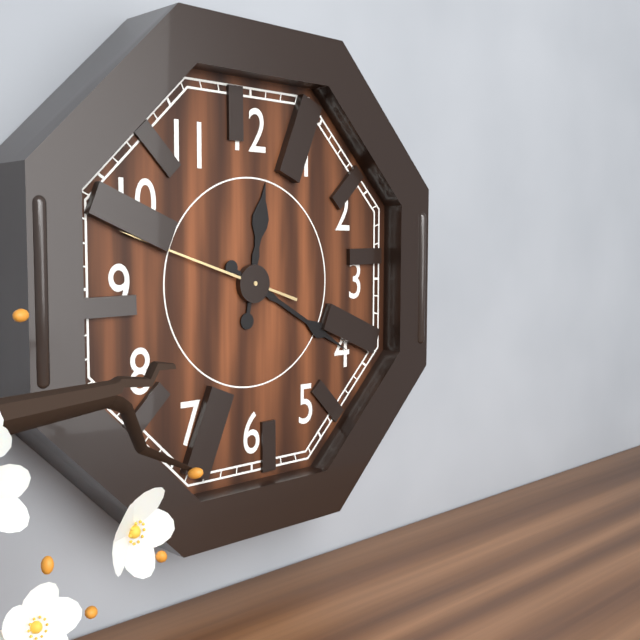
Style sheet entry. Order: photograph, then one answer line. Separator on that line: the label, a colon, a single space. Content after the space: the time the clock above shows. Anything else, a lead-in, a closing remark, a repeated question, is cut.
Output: 12:20:48
